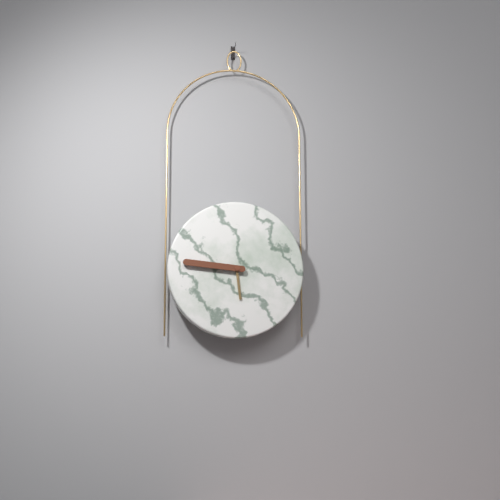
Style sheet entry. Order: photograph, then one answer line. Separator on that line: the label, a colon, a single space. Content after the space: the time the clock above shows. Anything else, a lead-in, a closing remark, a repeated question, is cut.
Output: 5:46
